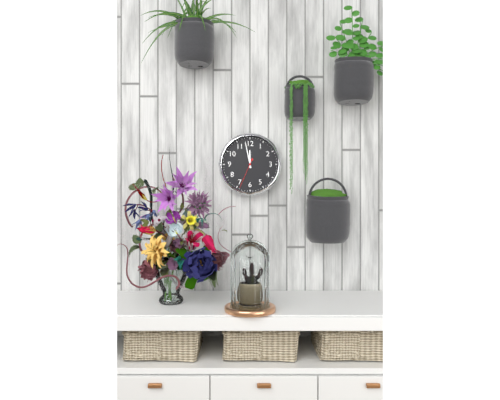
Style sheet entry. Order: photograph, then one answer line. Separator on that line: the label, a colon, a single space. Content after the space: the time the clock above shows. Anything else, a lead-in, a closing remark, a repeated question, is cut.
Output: 11:58
